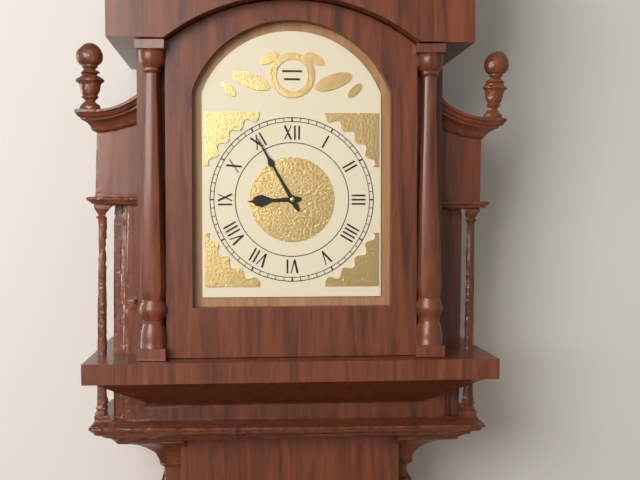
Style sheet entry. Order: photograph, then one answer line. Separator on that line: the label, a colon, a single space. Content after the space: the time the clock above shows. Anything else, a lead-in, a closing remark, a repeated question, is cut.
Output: 8:55
